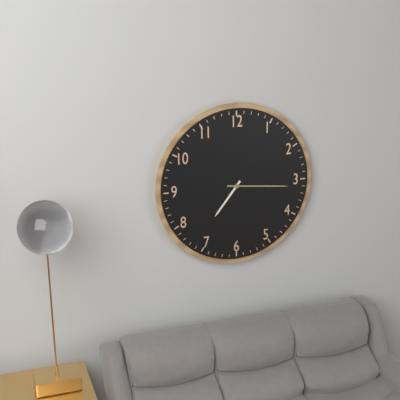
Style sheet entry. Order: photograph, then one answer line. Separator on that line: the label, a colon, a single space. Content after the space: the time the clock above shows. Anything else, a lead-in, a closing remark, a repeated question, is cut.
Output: 7:16
